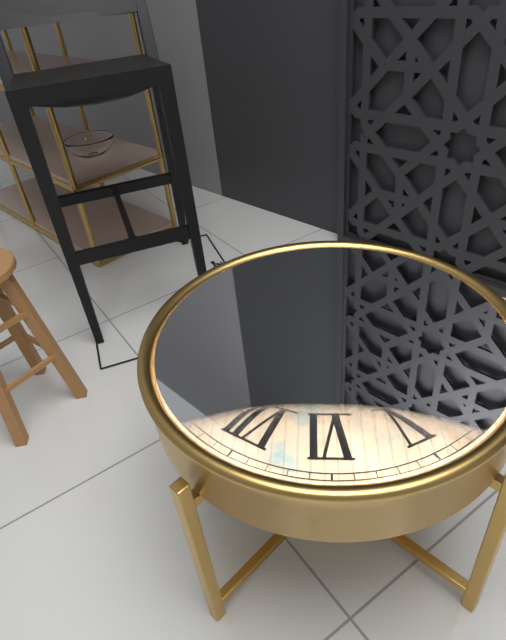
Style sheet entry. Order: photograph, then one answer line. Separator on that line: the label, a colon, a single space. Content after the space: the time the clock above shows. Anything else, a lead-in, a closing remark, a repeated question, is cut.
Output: 9:50
